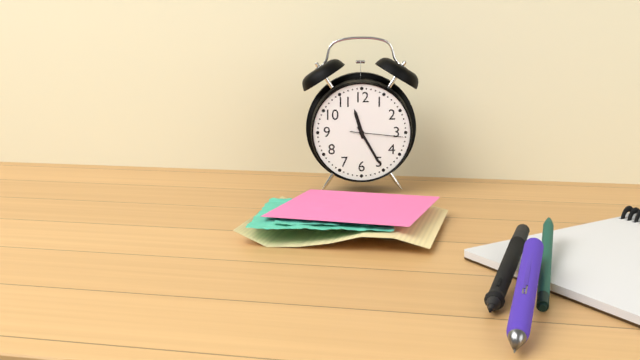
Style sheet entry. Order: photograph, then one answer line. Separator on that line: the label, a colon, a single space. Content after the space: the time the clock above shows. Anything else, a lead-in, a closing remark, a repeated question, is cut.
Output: 11:25:16
